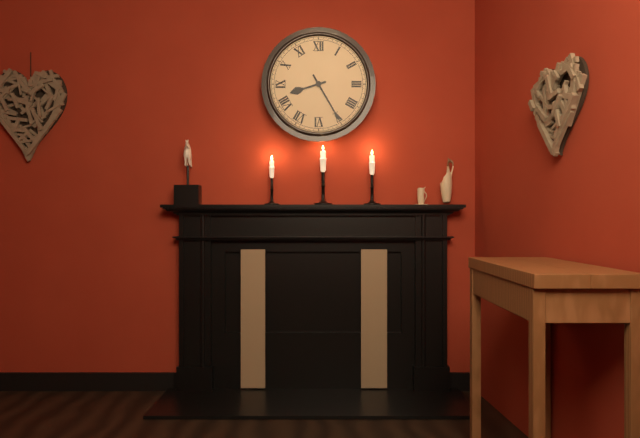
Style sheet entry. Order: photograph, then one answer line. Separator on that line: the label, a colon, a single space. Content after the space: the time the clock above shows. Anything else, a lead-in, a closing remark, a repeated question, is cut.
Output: 8:25
